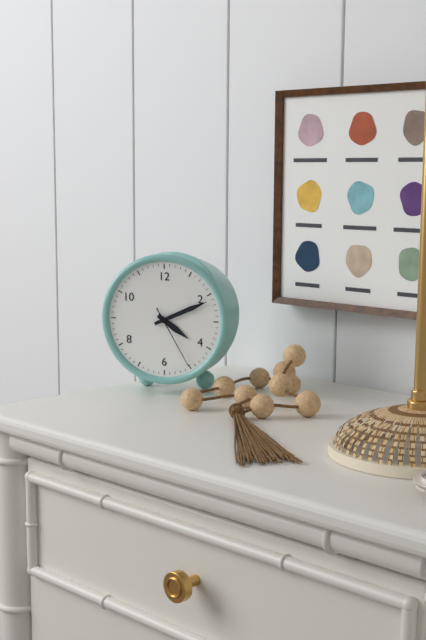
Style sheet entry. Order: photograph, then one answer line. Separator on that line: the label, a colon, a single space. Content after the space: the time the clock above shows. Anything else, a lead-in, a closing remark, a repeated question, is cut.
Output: 4:11:25
